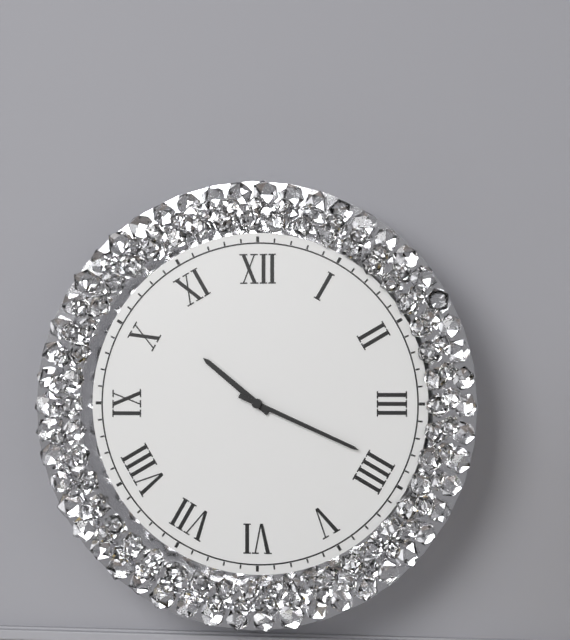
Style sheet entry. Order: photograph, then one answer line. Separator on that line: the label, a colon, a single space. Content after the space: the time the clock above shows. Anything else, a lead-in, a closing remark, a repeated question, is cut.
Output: 10:19
